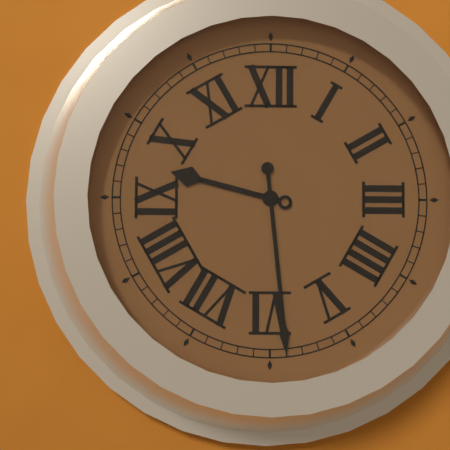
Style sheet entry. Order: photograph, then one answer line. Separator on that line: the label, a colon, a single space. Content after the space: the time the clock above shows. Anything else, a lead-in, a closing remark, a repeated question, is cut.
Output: 9:29
